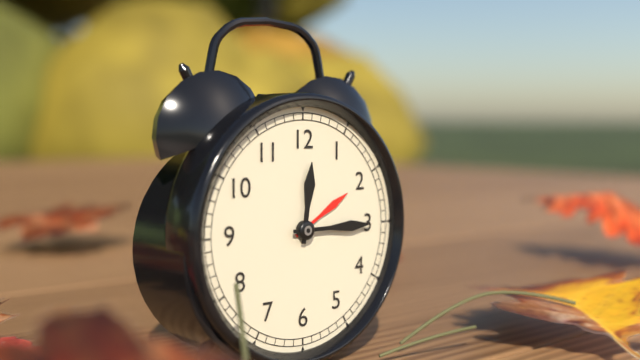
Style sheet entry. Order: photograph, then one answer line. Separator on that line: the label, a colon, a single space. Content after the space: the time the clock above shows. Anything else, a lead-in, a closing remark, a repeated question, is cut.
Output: 12:15
